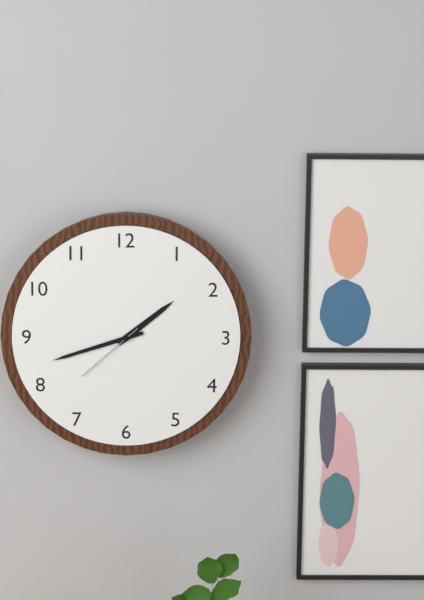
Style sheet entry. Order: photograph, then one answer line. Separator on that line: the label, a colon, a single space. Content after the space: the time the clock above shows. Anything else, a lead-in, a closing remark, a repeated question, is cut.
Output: 1:42:38
